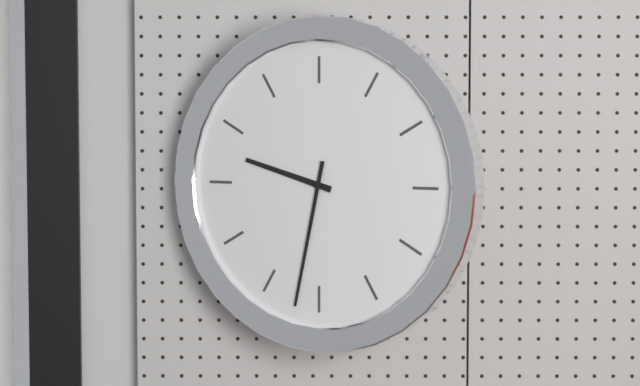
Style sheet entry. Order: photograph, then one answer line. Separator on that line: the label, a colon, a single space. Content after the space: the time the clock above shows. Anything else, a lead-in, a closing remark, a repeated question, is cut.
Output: 9:32
